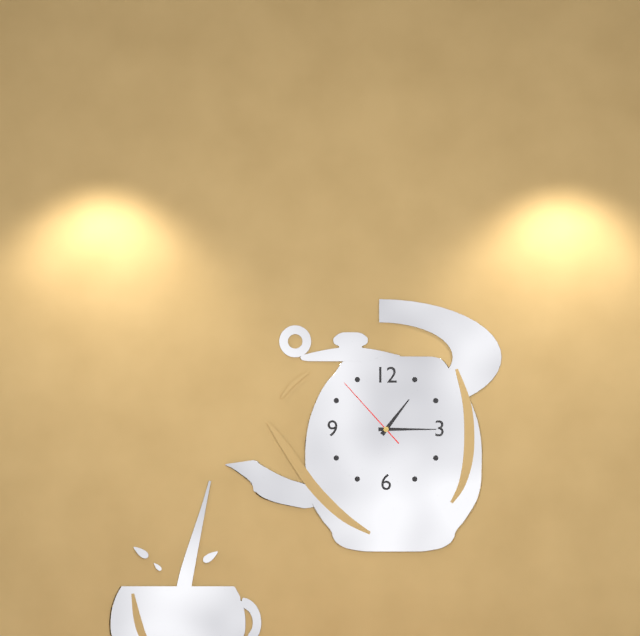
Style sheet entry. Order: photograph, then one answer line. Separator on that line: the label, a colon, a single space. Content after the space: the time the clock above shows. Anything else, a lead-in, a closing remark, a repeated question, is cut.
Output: 1:15:53
